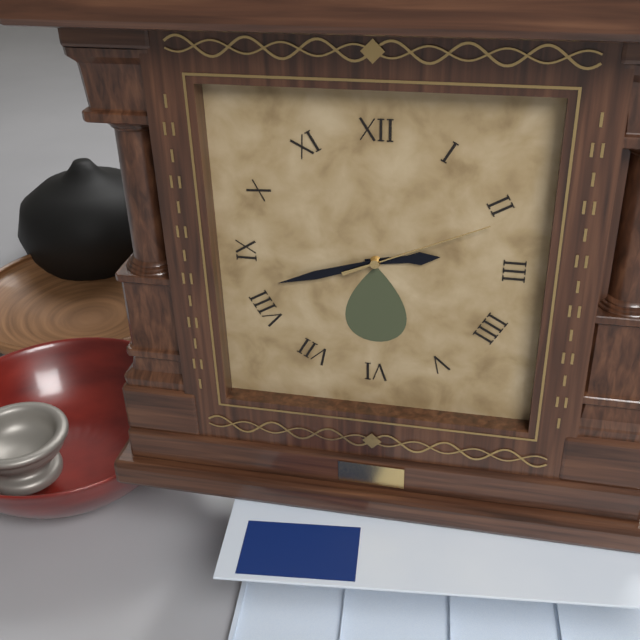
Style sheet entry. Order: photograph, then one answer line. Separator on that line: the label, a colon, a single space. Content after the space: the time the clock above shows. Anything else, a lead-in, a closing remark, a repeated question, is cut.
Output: 2:42:11
